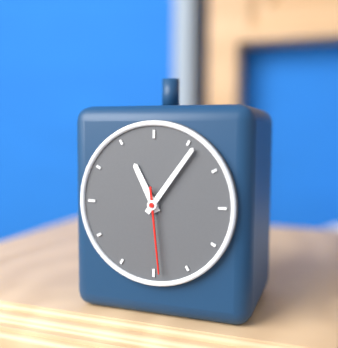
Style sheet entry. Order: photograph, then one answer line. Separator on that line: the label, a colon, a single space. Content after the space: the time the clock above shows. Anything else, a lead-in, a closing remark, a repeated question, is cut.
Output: 11:06:29
